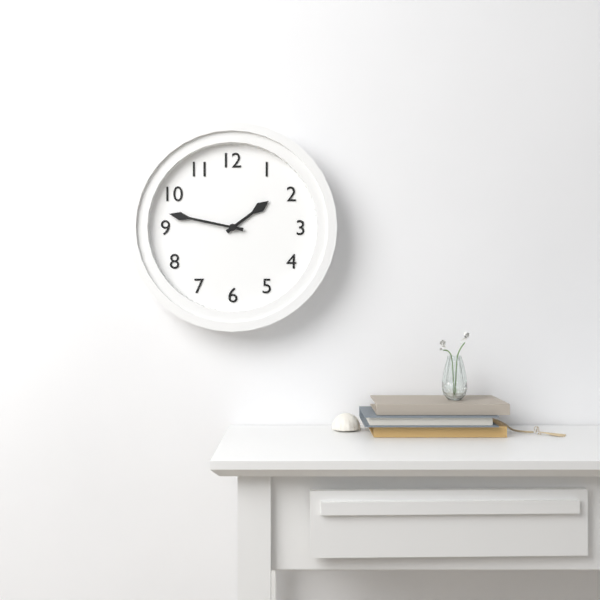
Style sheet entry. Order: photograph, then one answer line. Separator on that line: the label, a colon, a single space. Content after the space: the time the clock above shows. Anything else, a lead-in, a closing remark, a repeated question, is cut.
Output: 1:47
